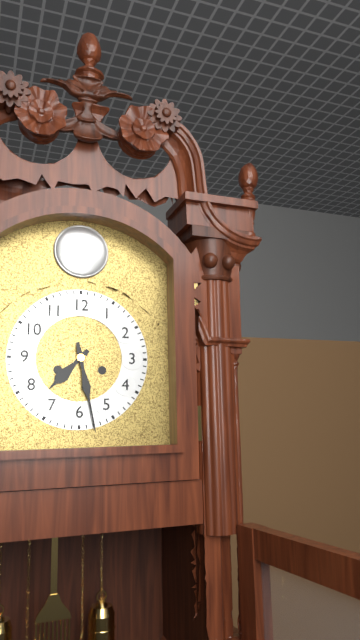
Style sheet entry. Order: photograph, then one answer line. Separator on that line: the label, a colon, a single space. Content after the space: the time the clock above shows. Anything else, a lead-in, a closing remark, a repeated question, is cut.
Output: 7:28
